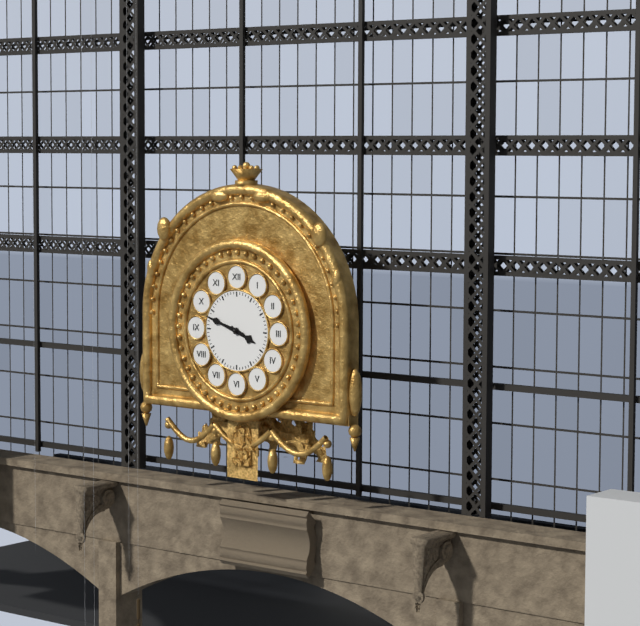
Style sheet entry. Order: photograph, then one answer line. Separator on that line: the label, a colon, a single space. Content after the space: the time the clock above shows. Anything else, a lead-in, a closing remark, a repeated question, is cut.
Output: 3:48
